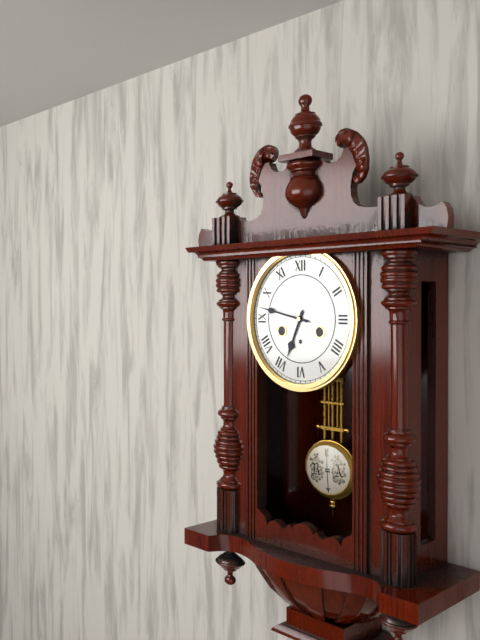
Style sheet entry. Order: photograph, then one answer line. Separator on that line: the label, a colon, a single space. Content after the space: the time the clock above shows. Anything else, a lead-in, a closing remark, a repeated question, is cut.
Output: 6:47
